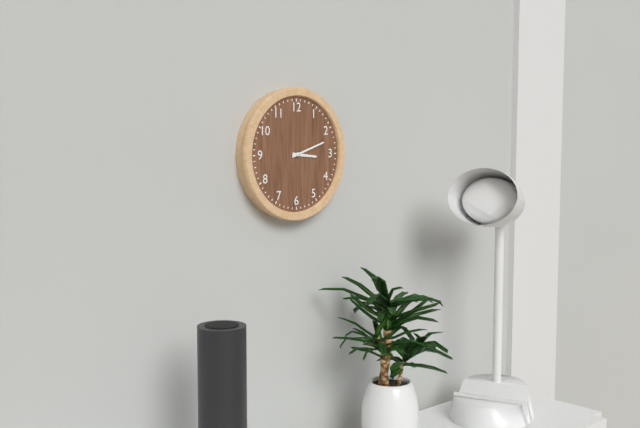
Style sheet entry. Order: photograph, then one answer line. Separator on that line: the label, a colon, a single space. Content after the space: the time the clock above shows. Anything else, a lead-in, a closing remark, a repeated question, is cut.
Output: 3:12
